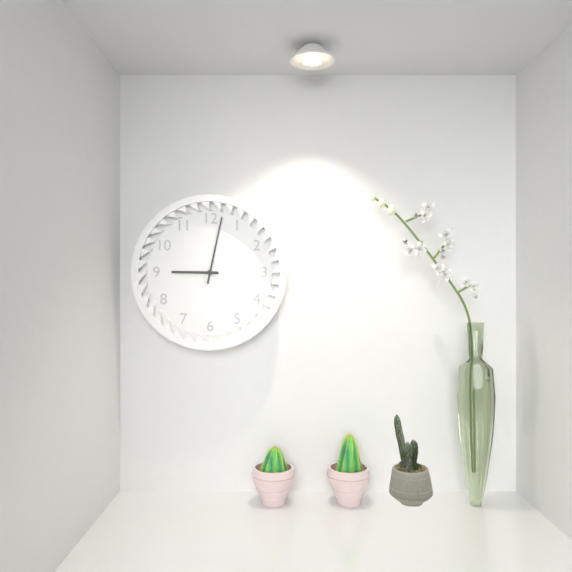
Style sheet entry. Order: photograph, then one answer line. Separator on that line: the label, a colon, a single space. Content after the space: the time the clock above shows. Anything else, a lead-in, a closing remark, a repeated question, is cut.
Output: 9:02
